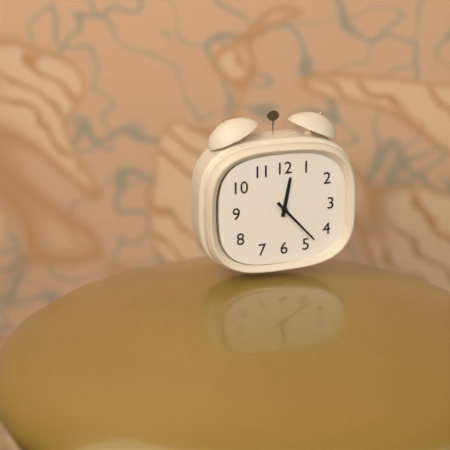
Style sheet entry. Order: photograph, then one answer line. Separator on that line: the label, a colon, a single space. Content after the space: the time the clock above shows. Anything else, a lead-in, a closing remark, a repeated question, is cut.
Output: 12:23
